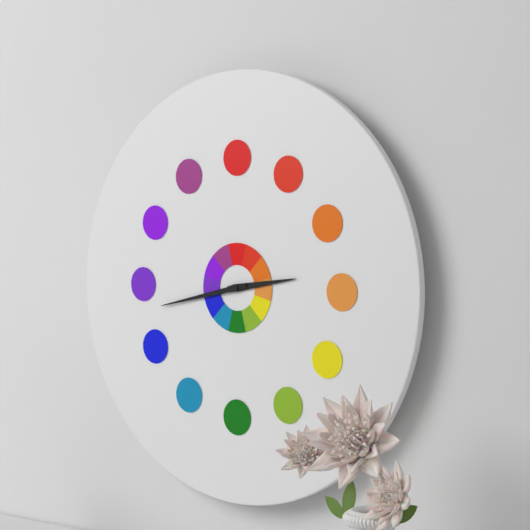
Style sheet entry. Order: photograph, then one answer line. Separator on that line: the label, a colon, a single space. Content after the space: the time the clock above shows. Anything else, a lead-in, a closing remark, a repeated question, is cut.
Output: 2:43
